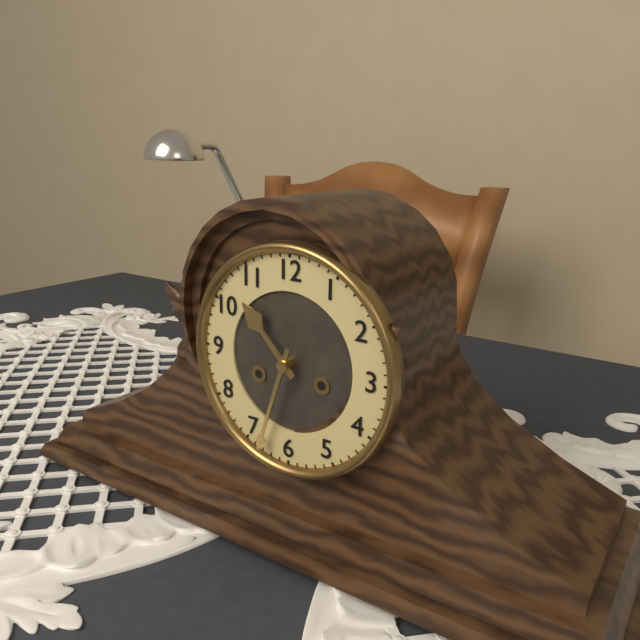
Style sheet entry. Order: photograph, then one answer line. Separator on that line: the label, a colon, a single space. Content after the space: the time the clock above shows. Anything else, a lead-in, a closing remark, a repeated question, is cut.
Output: 10:33
